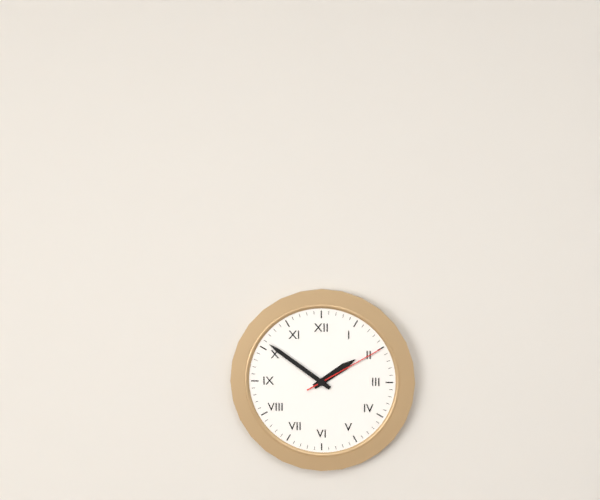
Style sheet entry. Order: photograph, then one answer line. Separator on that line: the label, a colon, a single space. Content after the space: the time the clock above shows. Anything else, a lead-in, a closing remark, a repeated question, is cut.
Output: 1:51:10
